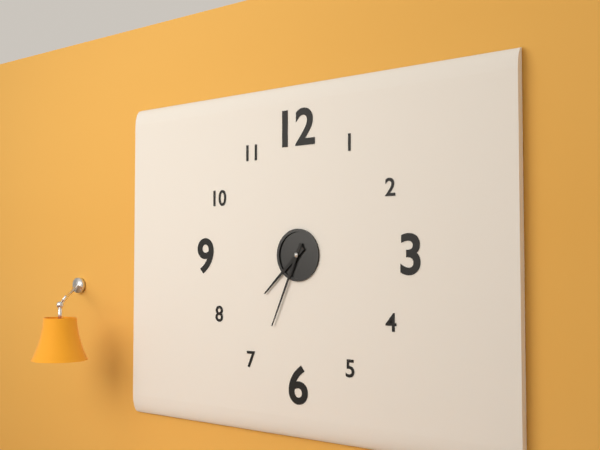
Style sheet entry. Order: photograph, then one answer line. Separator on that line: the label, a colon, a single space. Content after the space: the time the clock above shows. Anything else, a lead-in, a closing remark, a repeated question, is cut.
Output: 7:34
